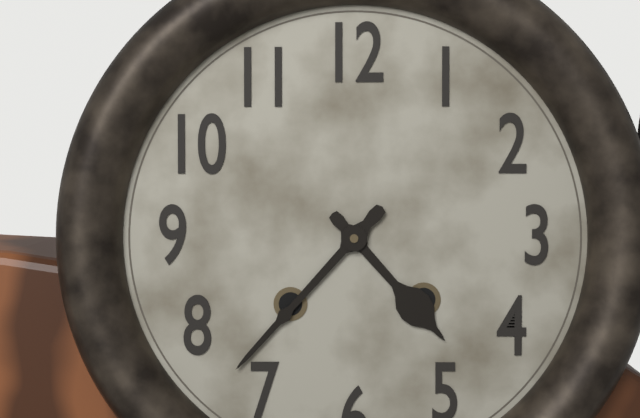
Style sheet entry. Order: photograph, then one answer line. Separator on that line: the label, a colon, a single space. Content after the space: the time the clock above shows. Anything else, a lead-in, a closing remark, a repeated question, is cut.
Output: 4:37
